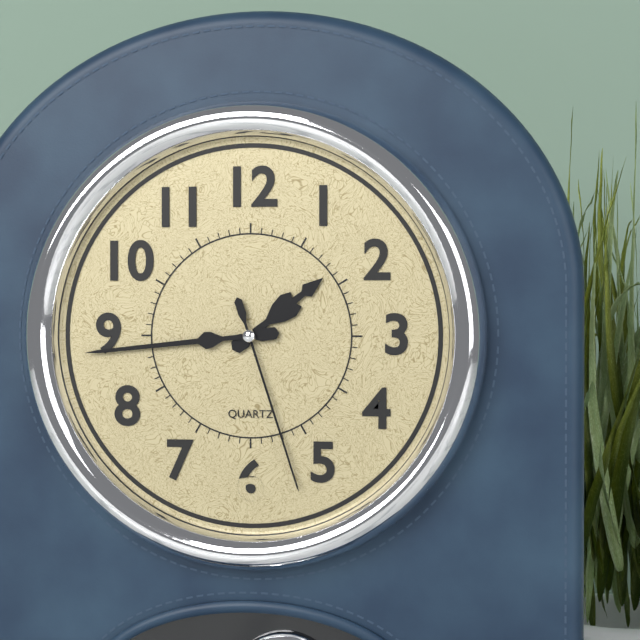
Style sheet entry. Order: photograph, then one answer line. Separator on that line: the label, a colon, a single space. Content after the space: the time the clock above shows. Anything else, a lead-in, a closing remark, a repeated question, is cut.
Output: 1:44:27
